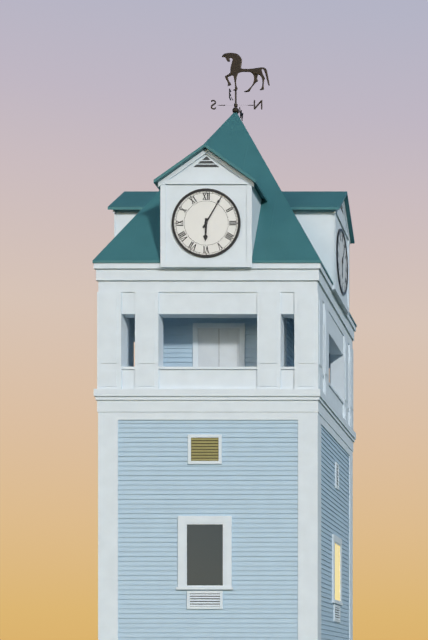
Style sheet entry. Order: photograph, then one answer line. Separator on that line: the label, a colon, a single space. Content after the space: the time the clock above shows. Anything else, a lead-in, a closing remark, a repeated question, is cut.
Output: 6:05
